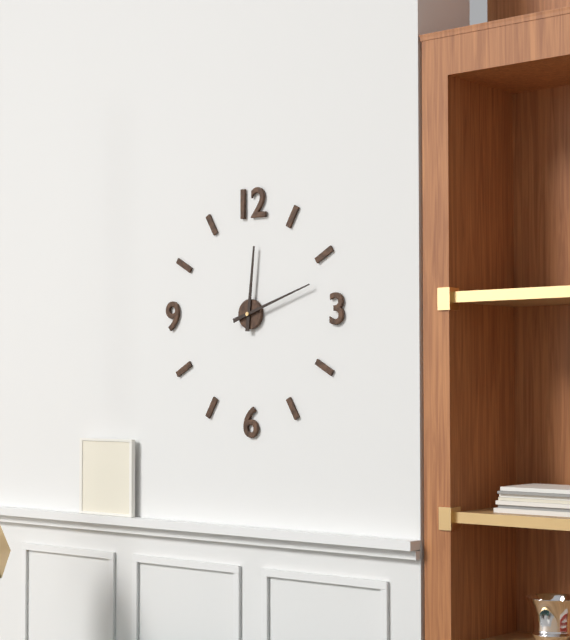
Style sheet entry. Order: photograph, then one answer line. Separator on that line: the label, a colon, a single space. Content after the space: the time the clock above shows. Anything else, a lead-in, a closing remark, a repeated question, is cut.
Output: 12:12
